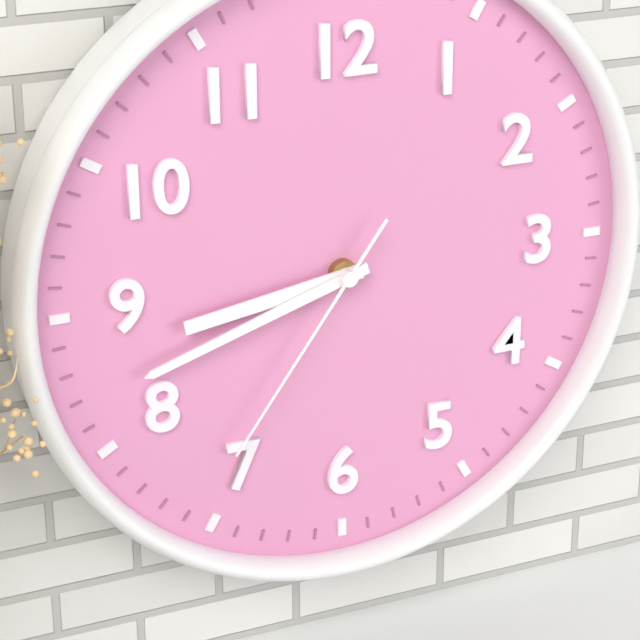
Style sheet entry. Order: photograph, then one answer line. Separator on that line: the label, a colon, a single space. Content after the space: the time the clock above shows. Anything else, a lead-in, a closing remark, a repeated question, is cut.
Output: 8:42:36
